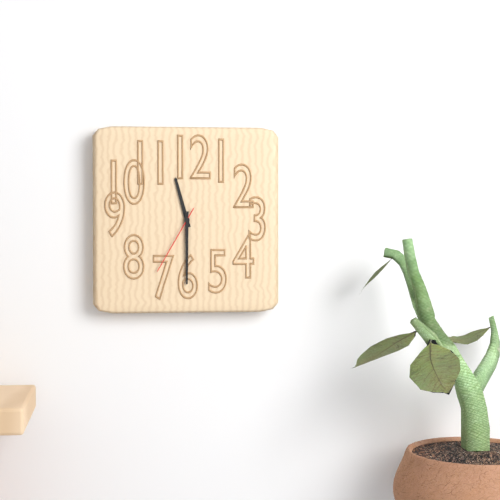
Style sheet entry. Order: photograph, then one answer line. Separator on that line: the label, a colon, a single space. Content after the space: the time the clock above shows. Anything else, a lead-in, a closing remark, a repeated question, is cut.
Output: 11:30:35
